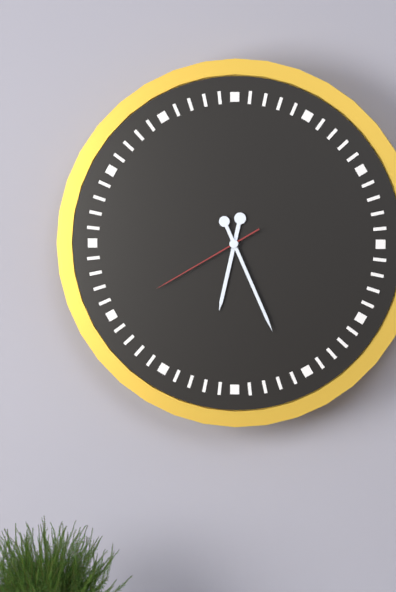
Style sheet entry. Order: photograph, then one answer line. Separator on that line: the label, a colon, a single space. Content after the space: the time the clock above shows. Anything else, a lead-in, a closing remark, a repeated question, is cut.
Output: 6:26:40
